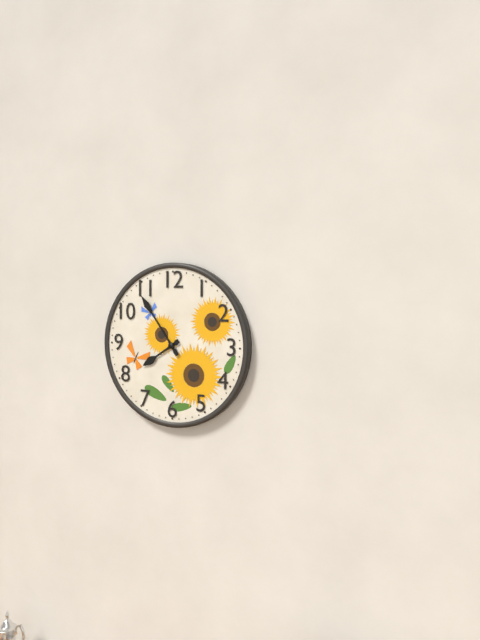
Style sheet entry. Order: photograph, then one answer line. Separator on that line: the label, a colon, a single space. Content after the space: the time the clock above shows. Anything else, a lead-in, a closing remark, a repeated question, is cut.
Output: 7:54
